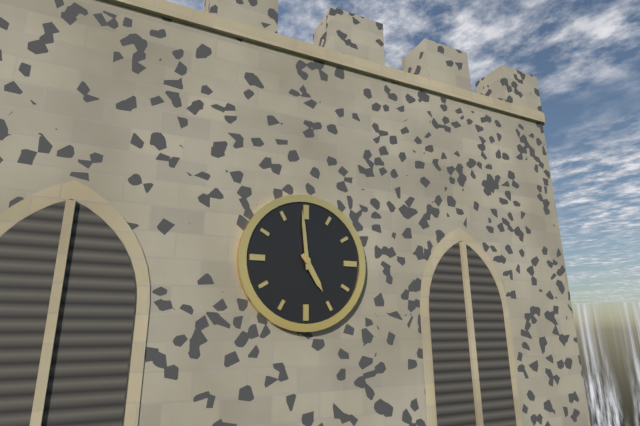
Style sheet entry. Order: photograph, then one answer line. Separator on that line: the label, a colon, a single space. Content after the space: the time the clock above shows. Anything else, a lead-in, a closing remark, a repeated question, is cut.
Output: 4:59
